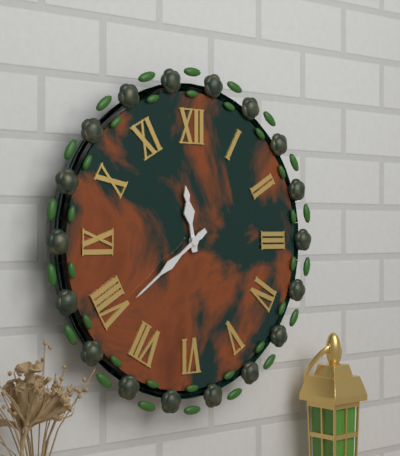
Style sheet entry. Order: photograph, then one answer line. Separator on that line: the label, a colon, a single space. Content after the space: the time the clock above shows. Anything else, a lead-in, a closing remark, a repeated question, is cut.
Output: 11:39
